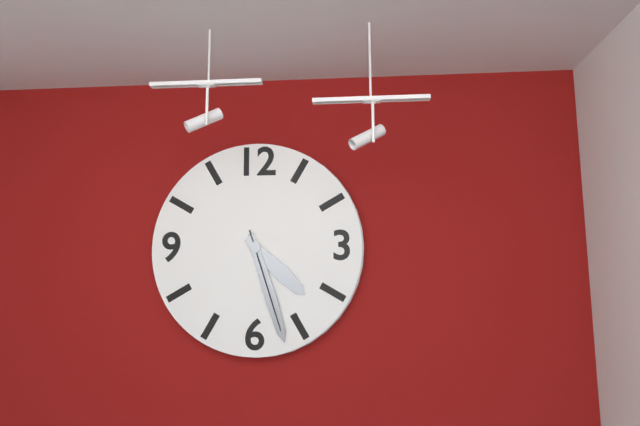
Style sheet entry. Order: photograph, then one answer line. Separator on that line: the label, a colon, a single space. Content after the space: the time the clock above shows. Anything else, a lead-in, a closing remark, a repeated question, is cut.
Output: 4:27:27
